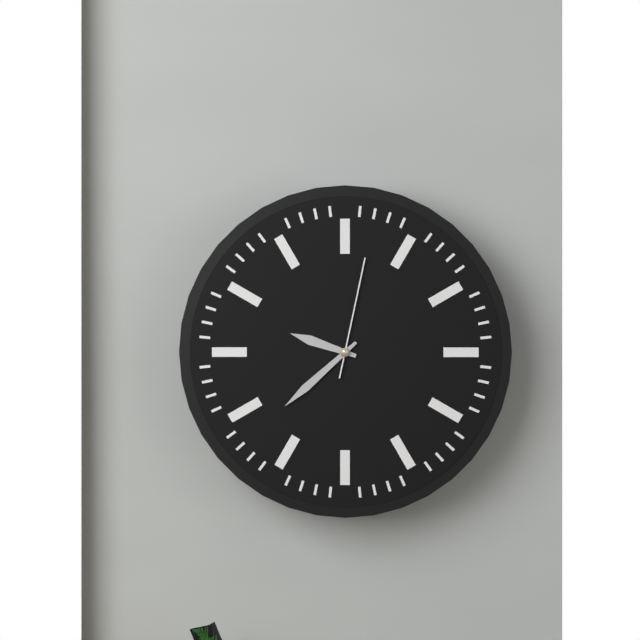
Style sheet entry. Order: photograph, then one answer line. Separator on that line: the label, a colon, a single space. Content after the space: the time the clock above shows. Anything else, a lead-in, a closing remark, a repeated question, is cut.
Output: 9:38:02
